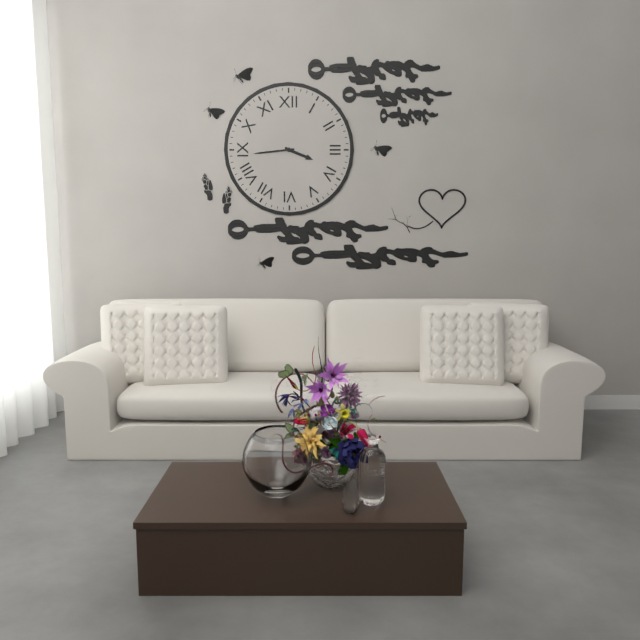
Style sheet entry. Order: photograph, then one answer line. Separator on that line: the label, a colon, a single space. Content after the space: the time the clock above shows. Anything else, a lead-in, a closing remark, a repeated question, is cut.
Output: 3:44
